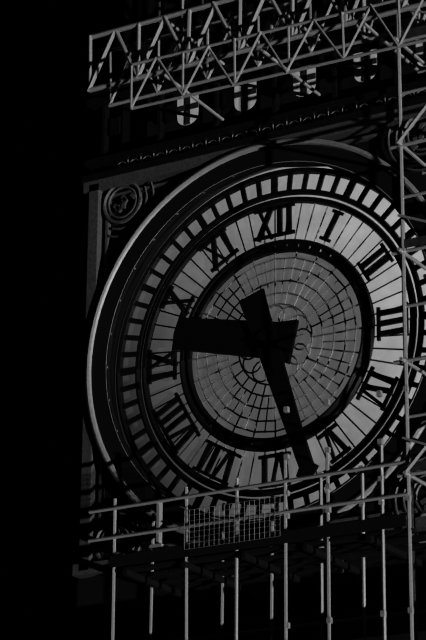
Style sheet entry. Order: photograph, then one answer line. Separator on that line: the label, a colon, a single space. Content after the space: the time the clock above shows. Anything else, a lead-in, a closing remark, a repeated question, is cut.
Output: 9:27
